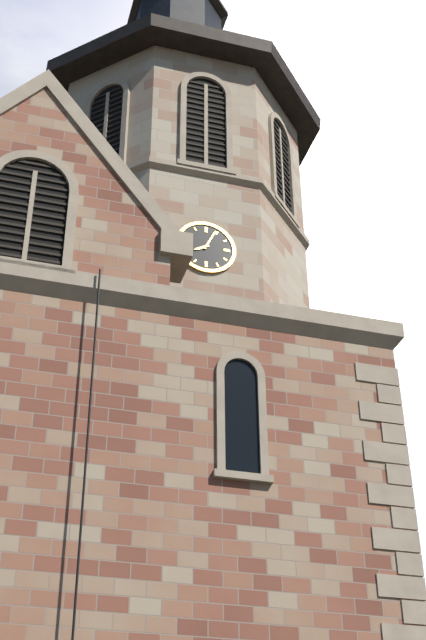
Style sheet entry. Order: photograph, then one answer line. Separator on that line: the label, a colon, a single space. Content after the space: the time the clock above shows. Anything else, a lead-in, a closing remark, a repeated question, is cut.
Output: 8:04
